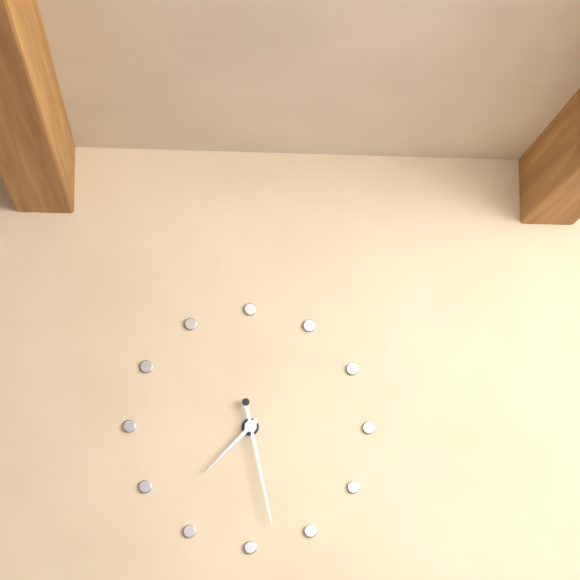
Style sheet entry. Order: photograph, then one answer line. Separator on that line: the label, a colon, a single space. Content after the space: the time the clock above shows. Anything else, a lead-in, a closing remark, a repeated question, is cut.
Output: 7:28
